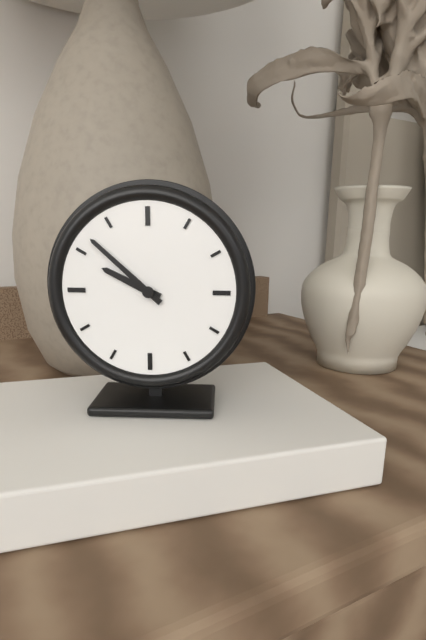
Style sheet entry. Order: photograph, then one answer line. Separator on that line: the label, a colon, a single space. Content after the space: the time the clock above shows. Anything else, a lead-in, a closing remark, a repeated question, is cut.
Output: 9:52
